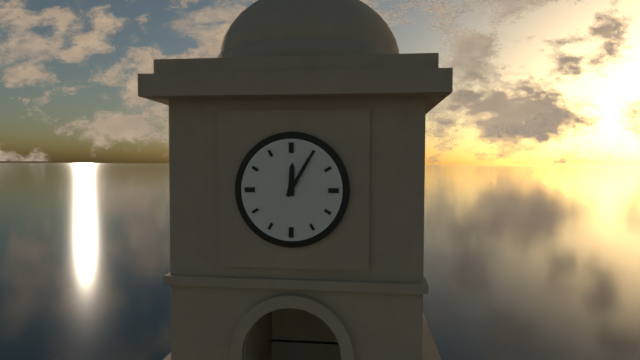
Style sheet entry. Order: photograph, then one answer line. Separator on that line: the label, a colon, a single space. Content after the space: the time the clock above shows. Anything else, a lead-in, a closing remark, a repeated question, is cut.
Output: 12:05
